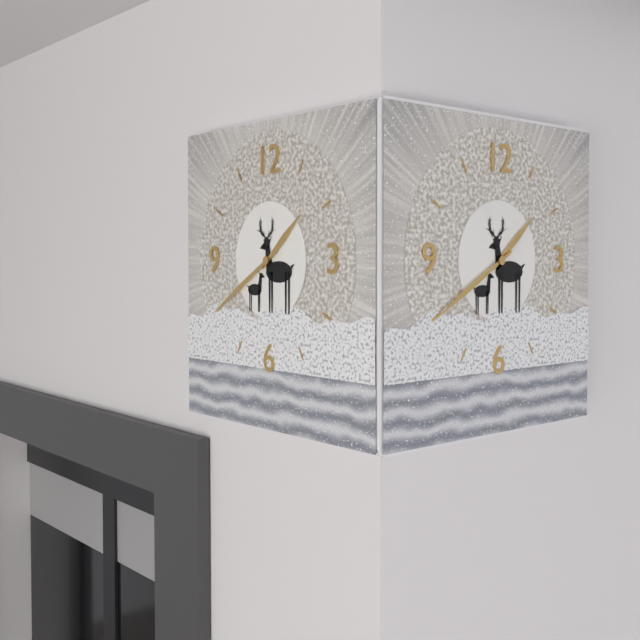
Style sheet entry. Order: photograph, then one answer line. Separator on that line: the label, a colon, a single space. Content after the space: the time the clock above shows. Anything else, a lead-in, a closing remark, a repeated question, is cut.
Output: 1:40
